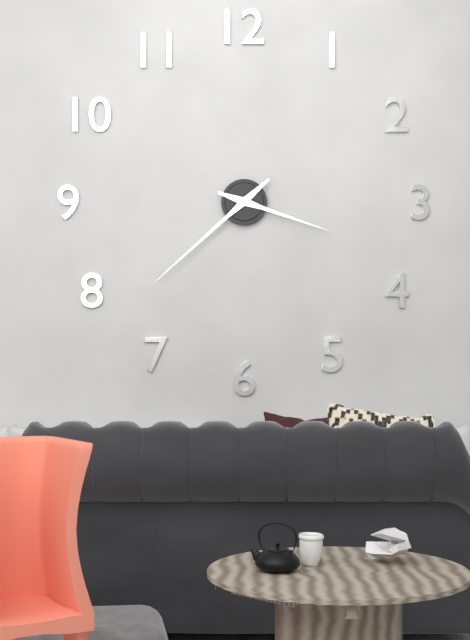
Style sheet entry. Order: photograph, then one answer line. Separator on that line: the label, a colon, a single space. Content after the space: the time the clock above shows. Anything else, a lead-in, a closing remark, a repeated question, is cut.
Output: 3:38
